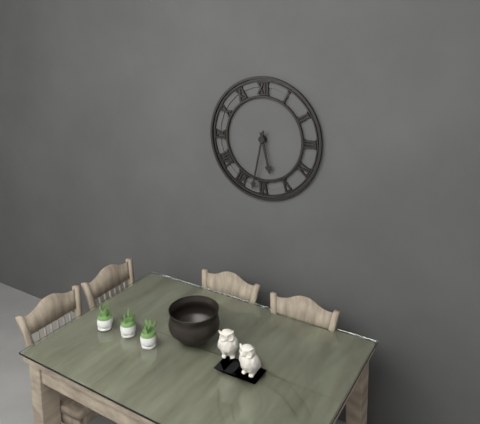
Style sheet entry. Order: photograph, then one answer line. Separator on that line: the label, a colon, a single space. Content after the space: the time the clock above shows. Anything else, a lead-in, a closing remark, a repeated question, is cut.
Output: 5:32
